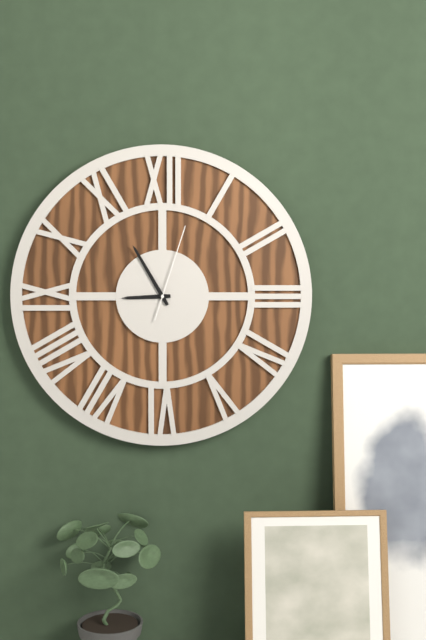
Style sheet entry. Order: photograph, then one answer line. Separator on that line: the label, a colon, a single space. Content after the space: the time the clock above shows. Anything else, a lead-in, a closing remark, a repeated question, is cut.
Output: 8:55:03
